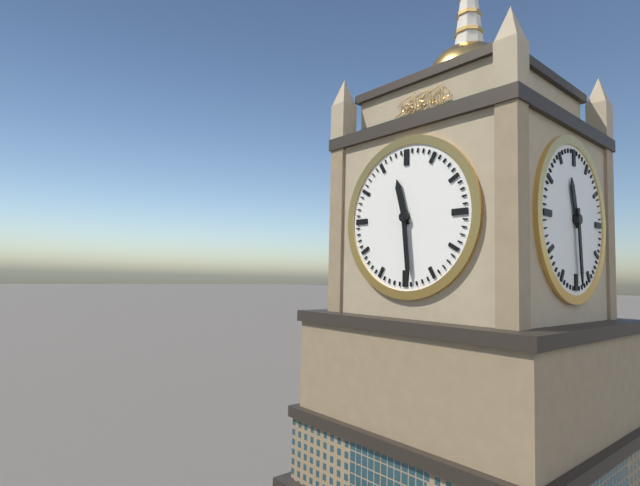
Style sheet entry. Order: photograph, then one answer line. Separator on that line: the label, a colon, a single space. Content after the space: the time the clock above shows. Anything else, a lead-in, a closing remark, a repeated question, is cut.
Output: 11:29
